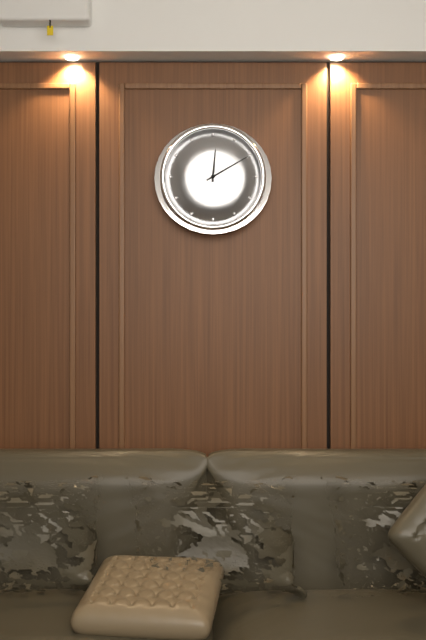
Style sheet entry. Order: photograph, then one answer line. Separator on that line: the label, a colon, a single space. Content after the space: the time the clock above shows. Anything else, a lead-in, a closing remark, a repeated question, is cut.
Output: 12:10
